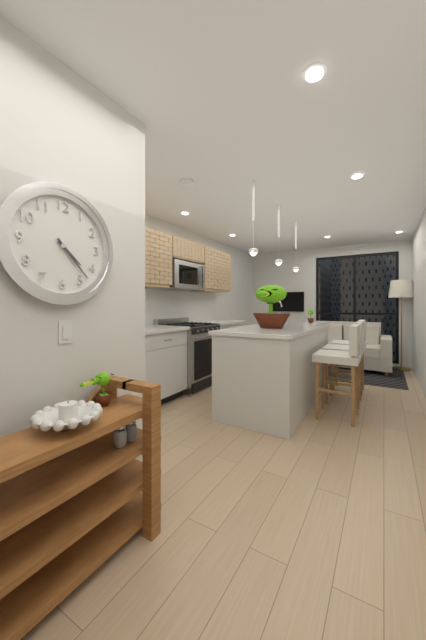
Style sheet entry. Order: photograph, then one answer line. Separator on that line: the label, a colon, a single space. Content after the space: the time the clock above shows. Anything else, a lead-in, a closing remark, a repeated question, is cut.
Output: 4:23
